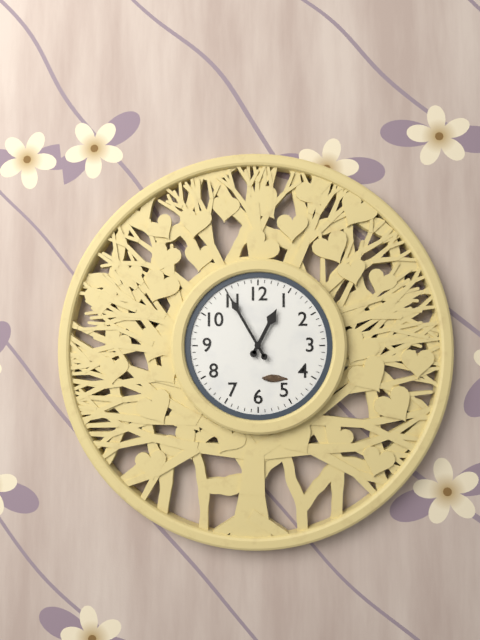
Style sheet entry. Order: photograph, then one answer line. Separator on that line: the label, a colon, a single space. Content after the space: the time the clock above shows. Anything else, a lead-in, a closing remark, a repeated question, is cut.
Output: 12:55
